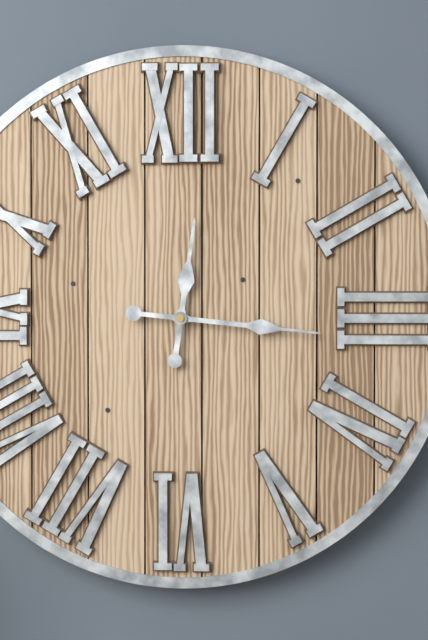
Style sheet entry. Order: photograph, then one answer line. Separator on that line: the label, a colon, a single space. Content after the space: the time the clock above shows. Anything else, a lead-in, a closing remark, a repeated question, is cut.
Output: 12:16
